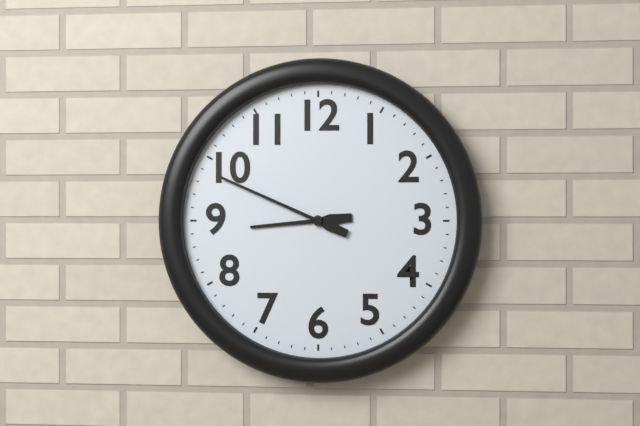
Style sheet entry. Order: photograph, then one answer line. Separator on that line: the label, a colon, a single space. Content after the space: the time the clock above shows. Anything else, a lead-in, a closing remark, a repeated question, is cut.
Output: 8:49
